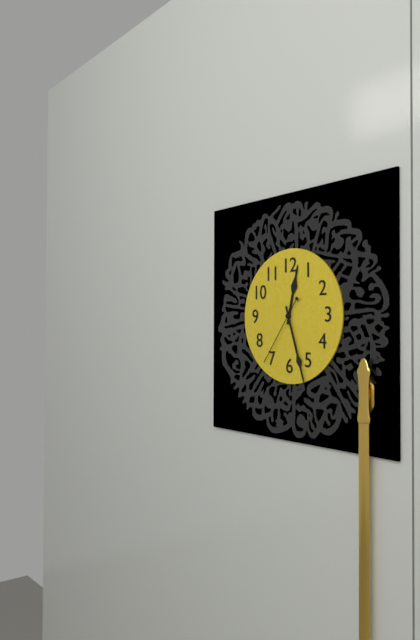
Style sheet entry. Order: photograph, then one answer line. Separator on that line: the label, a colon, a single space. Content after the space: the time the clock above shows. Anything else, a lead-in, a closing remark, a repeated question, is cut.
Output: 12:27:36
